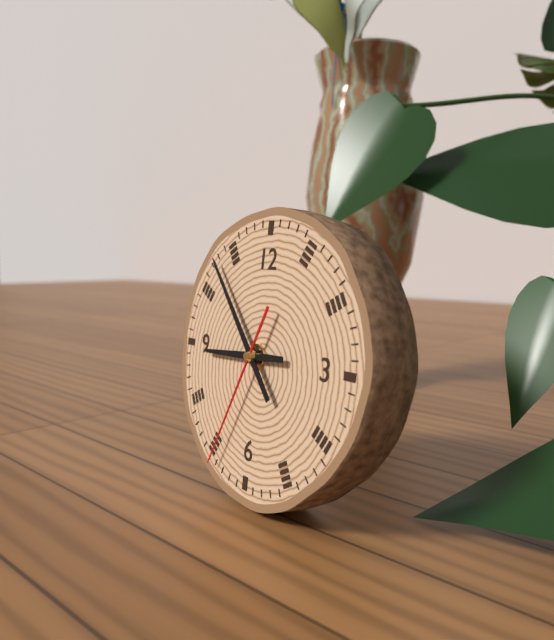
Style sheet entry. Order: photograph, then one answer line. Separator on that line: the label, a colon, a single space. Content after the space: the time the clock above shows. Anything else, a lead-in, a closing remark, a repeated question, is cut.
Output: 8:53:34
